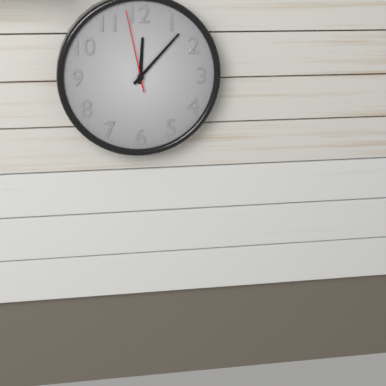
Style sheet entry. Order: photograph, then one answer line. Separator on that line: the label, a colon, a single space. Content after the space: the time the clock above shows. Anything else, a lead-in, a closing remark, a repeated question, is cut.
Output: 12:07:58
